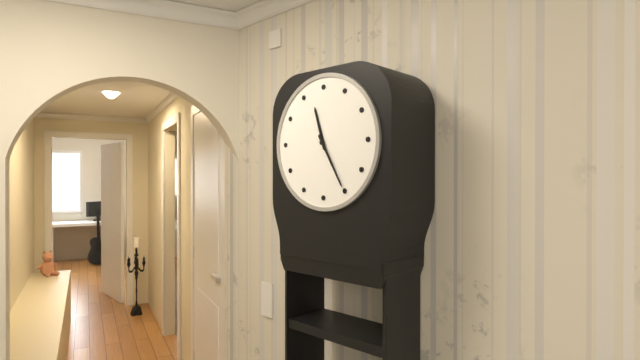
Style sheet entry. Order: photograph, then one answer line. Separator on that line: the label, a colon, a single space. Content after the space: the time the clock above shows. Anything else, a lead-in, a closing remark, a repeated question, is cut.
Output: 11:25
